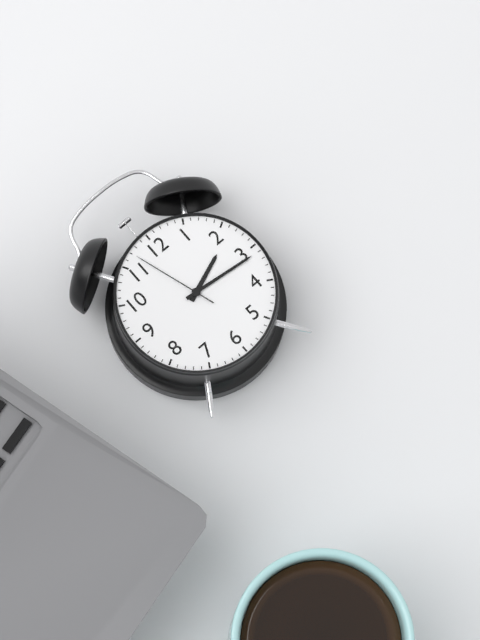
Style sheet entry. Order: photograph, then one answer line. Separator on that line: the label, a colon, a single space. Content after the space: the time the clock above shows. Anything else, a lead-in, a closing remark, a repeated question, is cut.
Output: 2:16:57
